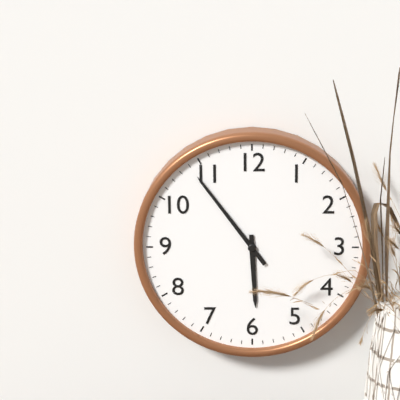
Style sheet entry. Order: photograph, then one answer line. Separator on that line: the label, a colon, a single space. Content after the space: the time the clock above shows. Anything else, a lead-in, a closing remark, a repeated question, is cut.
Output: 5:54
